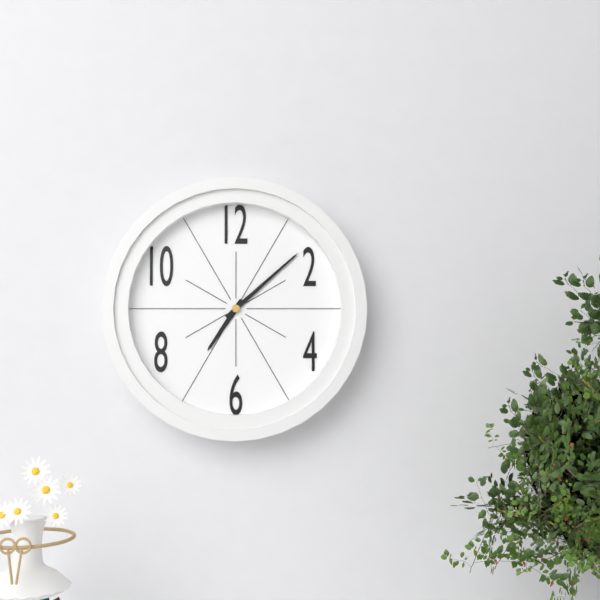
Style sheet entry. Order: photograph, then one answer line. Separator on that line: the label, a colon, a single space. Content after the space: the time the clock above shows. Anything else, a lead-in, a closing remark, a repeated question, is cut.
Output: 7:08
